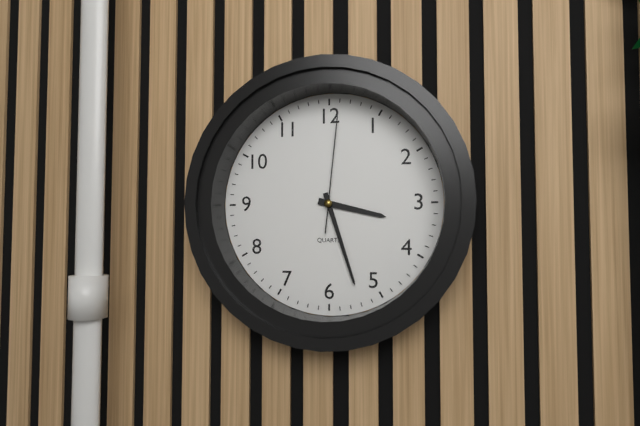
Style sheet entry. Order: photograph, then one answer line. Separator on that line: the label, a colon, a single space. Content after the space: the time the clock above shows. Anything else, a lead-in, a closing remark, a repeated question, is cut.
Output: 3:27:01
